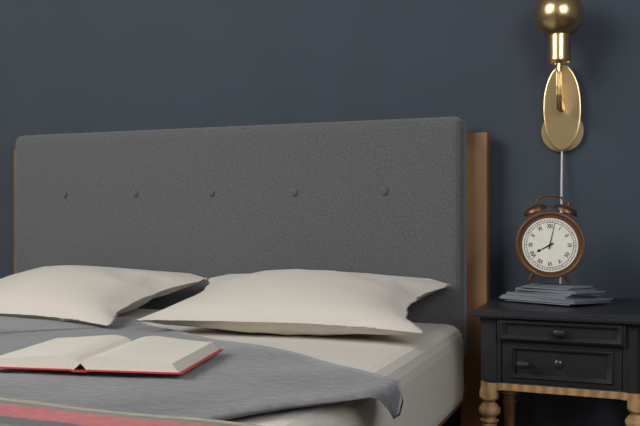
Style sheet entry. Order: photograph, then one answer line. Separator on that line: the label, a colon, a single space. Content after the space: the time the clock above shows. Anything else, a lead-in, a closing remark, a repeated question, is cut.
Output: 8:02
